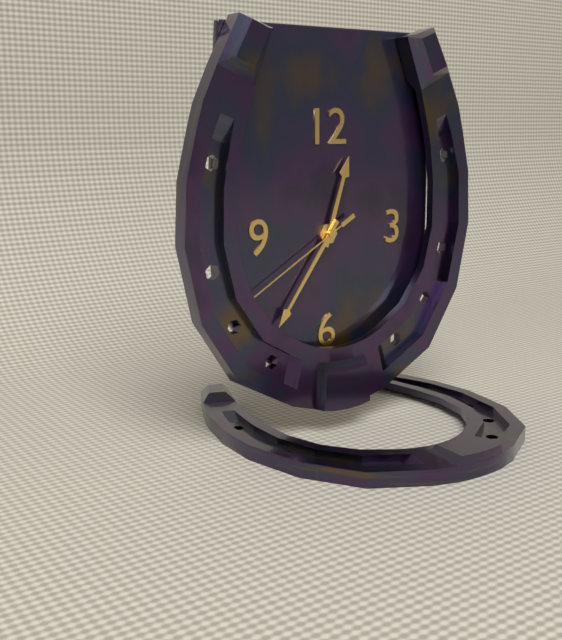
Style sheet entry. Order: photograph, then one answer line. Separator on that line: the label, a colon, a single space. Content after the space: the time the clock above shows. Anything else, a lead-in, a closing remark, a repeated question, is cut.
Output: 12:36:40
